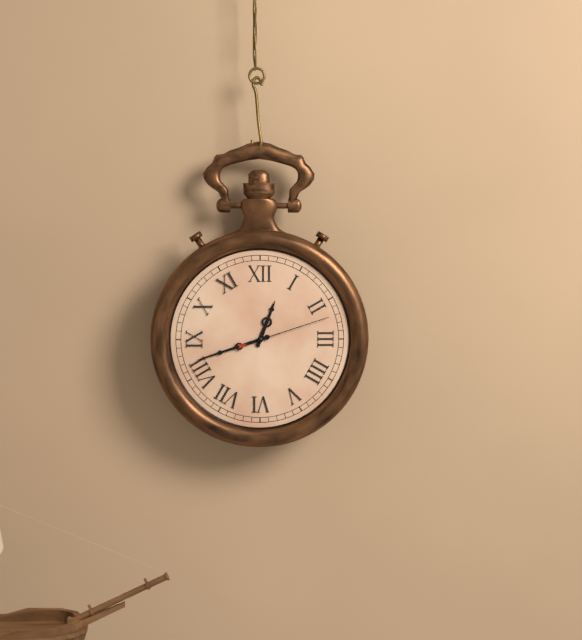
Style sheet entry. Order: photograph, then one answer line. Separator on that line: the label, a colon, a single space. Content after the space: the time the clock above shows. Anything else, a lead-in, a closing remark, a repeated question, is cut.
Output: 12:42:12
